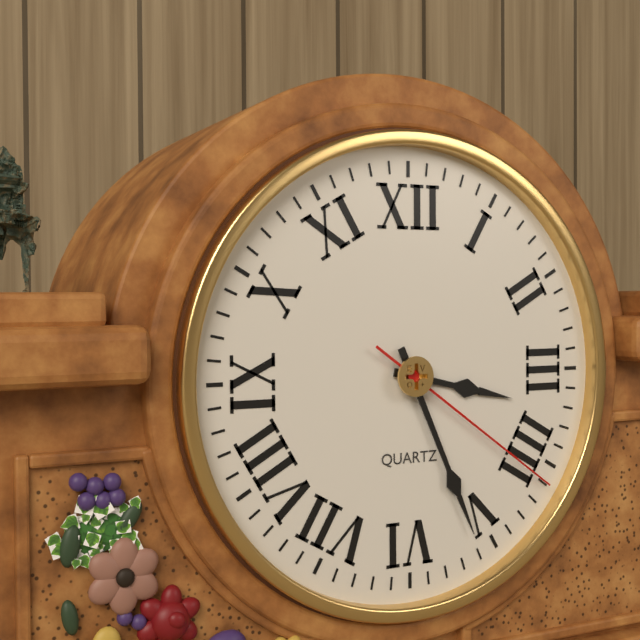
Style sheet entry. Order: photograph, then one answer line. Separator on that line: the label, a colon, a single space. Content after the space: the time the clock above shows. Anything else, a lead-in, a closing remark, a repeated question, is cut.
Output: 3:26:21
